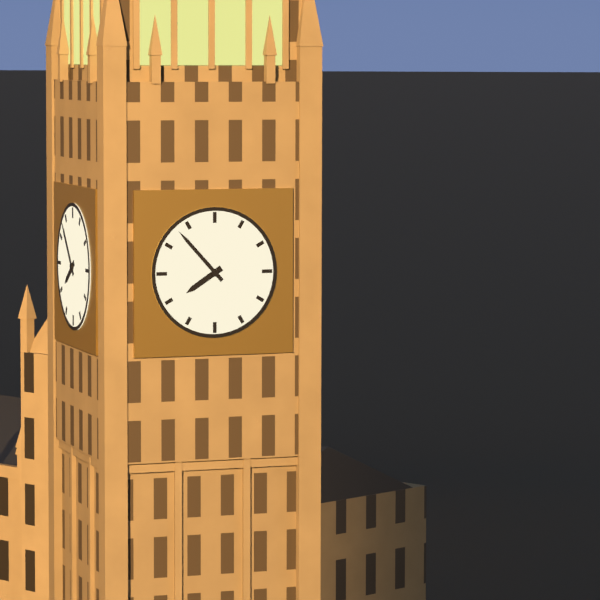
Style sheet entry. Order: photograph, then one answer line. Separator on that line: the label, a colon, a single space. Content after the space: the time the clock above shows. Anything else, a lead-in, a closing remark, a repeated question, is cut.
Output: 7:53
